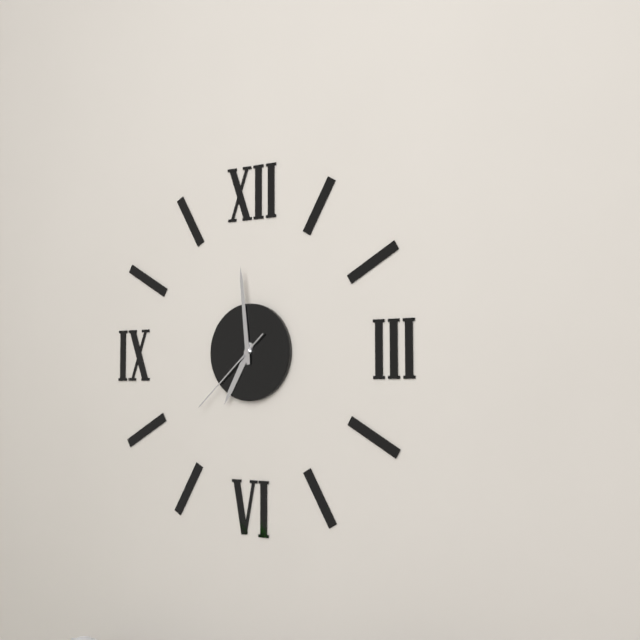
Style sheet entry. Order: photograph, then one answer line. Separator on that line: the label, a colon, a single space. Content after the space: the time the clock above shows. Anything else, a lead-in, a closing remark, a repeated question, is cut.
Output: 6:59:38
